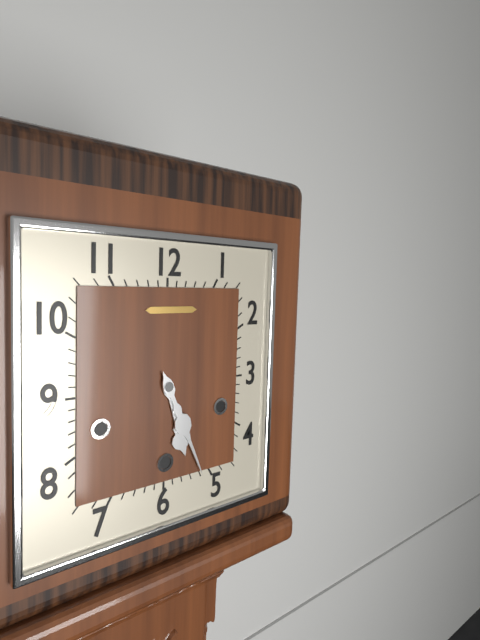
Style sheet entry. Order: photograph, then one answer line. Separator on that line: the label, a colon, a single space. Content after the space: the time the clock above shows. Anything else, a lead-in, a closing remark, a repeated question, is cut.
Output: 5:26
